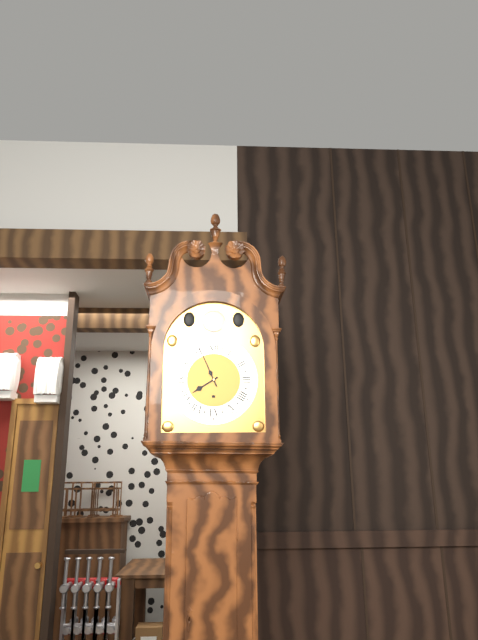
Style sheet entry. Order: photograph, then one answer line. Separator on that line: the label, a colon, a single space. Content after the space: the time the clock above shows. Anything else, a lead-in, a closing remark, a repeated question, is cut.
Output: 7:56
